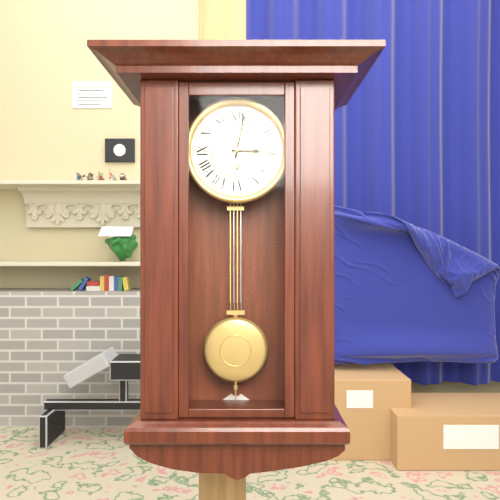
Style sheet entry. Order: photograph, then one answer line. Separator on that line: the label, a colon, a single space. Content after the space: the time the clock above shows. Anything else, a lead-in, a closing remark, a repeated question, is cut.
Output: 3:02
